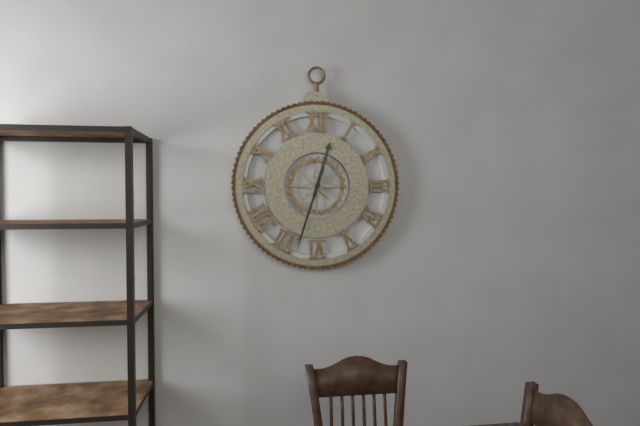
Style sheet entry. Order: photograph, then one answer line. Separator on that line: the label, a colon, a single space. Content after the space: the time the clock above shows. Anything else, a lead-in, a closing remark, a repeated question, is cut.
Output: 12:33
